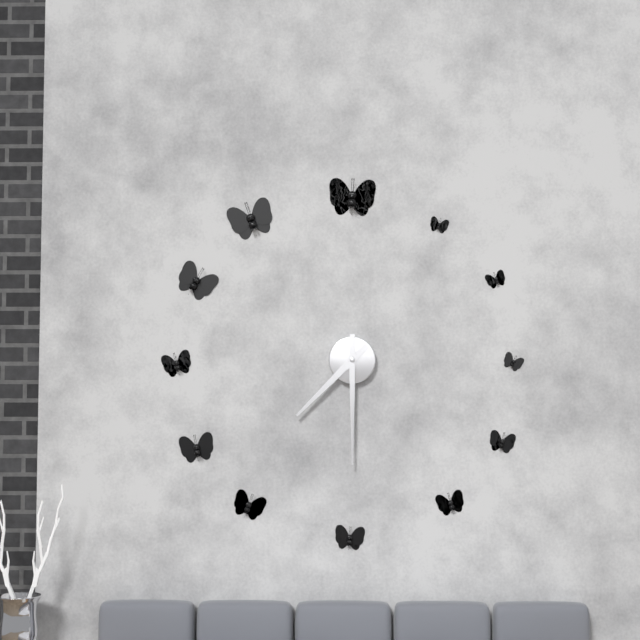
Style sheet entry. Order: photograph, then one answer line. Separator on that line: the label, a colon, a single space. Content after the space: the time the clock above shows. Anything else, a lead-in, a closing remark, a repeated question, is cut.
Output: 7:30
